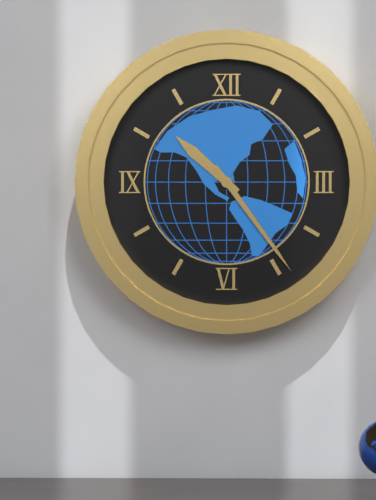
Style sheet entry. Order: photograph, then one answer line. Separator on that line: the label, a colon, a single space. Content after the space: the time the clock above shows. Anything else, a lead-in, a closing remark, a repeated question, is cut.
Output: 10:24
